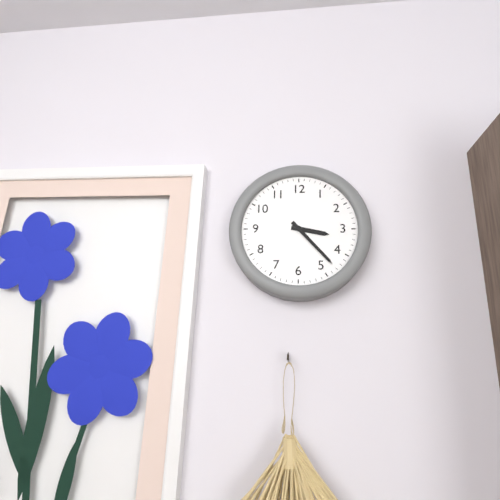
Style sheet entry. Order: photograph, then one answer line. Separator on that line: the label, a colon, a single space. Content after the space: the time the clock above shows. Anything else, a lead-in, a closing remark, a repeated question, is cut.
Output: 3:23
